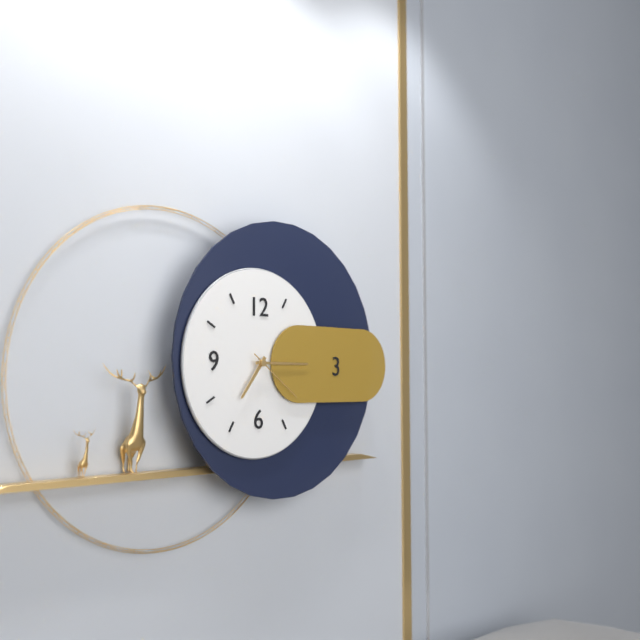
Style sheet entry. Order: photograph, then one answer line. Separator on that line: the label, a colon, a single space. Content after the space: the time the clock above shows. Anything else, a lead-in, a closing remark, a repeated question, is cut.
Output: 7:15:21
